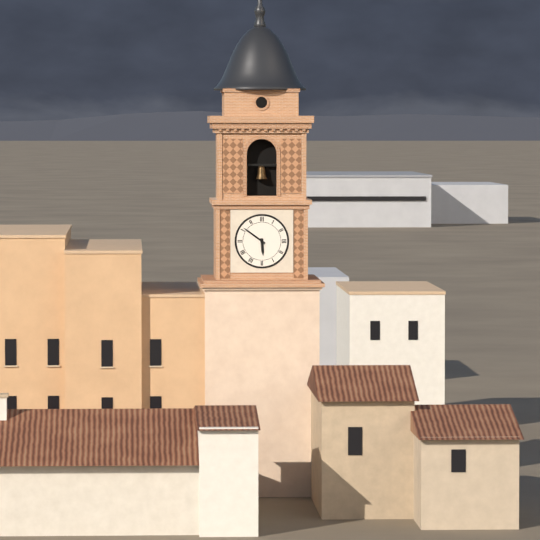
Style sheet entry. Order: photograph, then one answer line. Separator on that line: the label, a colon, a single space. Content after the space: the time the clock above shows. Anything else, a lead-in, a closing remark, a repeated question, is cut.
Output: 5:51
